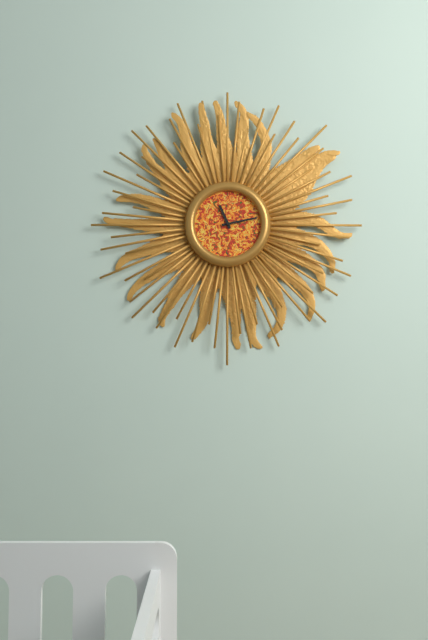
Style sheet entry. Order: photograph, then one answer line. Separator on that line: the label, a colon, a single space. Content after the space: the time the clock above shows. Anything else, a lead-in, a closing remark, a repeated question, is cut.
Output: 11:13
